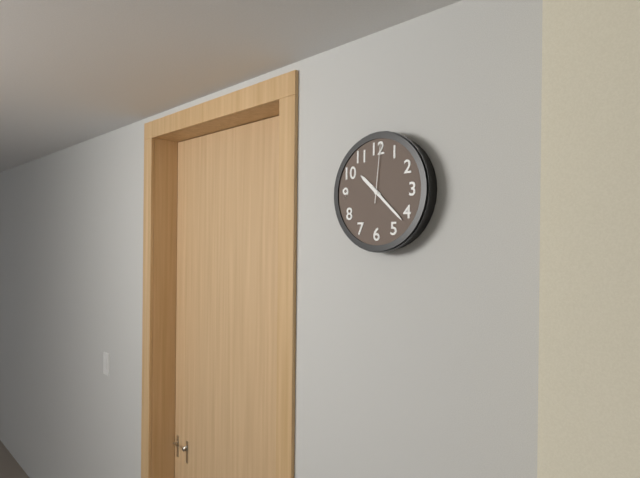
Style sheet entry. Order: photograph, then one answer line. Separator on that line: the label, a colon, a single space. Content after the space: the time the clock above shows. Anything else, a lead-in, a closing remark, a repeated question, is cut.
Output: 10:22:01
